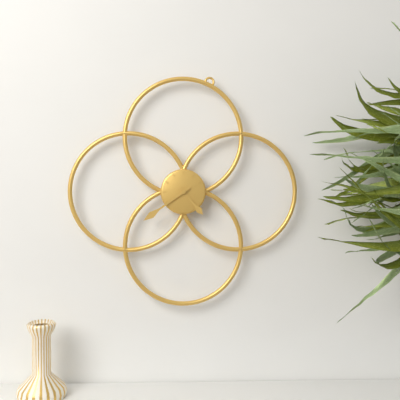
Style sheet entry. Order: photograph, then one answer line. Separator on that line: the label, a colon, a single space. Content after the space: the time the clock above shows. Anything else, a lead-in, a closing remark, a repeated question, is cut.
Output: 4:39
